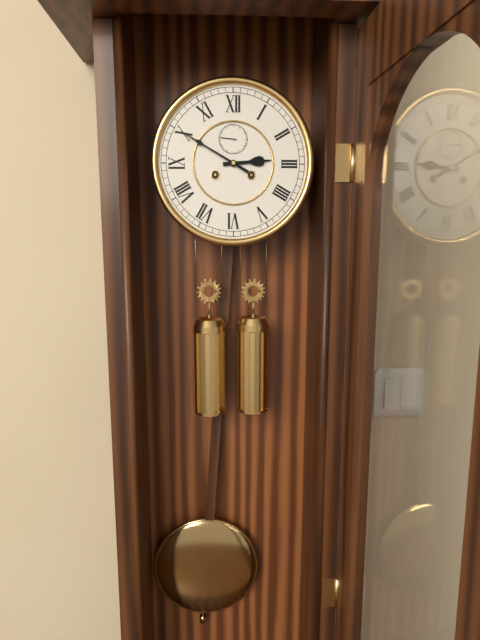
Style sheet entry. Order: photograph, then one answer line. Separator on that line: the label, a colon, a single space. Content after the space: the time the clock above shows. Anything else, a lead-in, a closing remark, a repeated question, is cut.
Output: 2:50
